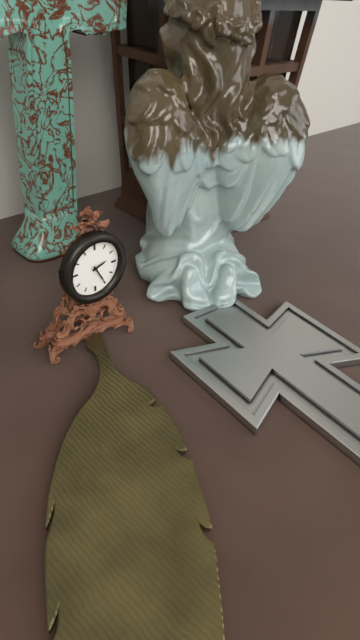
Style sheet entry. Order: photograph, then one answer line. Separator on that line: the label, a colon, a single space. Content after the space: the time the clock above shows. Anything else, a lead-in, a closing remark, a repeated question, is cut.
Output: 2:25
